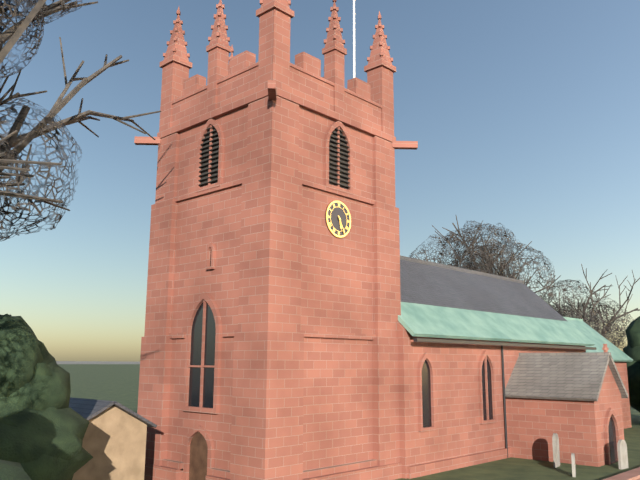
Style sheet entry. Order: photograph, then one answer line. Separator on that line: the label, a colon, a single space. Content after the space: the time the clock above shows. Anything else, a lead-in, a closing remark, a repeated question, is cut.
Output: 5:25
